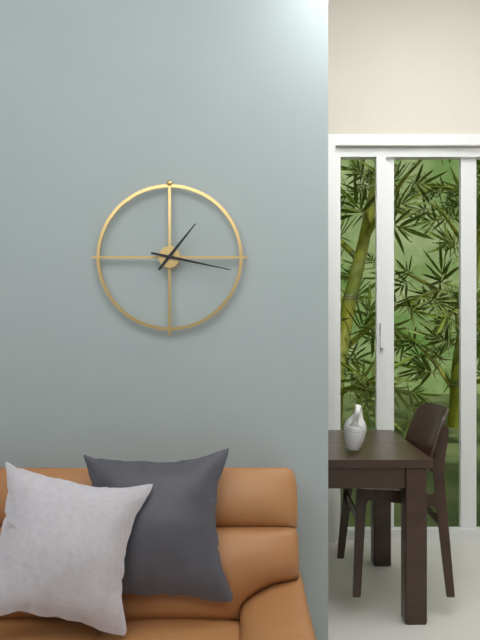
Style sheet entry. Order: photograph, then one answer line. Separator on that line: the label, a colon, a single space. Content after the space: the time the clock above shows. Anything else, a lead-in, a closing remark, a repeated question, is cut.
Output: 1:17
